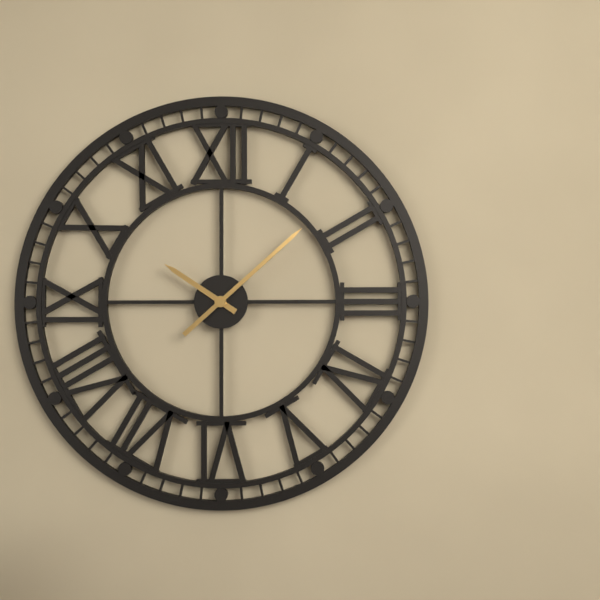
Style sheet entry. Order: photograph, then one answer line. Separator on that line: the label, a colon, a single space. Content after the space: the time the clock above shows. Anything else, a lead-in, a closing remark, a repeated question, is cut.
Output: 10:08
